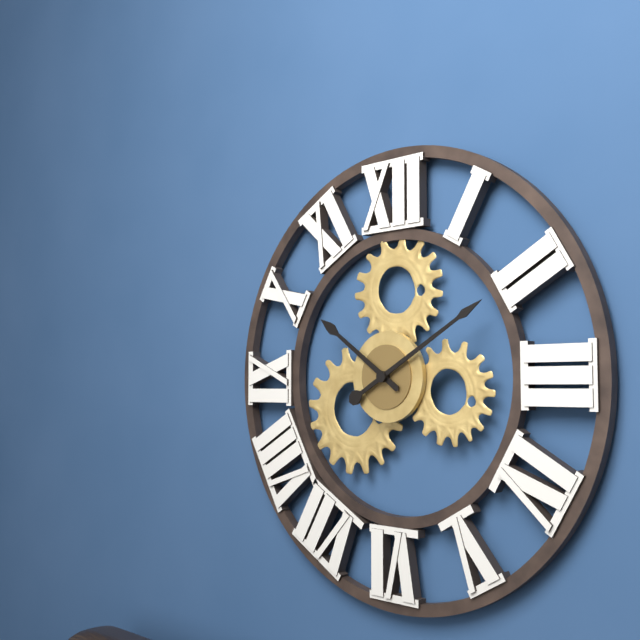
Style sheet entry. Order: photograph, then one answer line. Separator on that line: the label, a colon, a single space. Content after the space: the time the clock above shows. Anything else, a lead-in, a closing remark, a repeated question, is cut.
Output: 10:10
